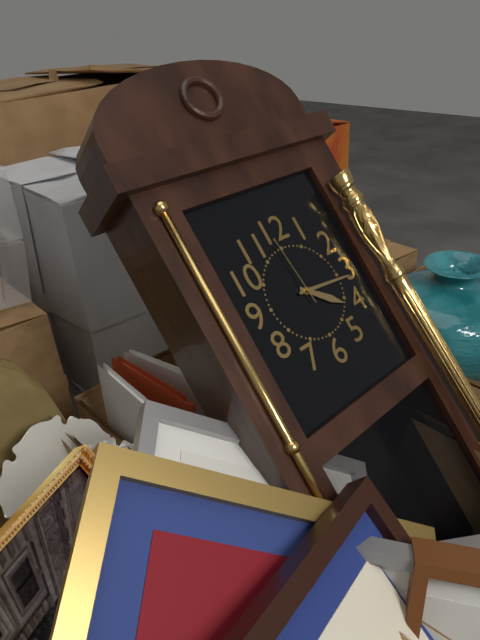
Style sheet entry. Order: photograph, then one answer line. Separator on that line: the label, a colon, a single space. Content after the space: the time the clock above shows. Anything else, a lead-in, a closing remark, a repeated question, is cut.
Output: 4:16:59
